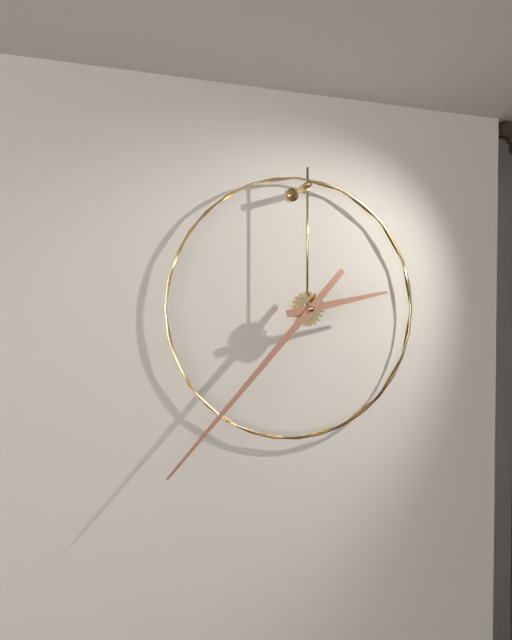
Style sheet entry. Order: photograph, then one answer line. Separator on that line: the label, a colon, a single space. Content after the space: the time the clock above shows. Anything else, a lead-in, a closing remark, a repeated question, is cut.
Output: 2:37
